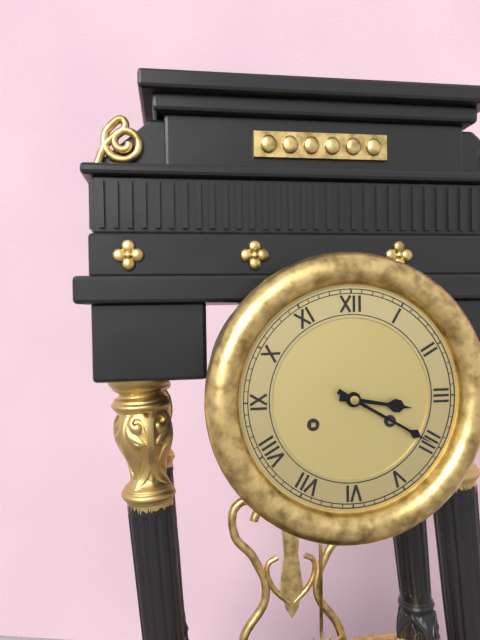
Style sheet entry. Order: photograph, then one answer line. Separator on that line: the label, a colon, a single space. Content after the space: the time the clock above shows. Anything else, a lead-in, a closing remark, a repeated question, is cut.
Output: 3:20
